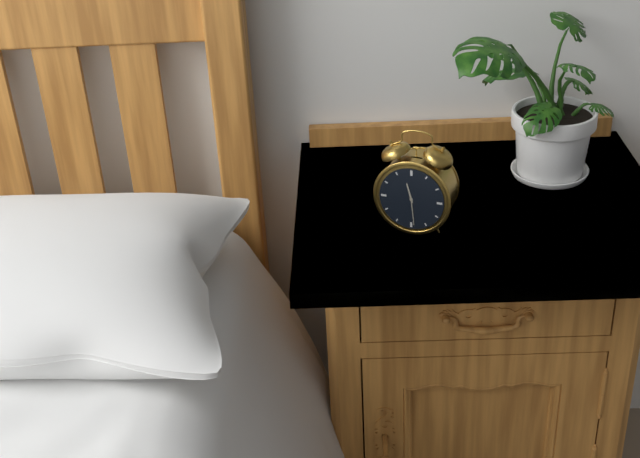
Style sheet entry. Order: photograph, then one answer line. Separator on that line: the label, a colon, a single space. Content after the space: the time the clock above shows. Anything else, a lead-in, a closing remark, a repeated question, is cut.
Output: 11:29
